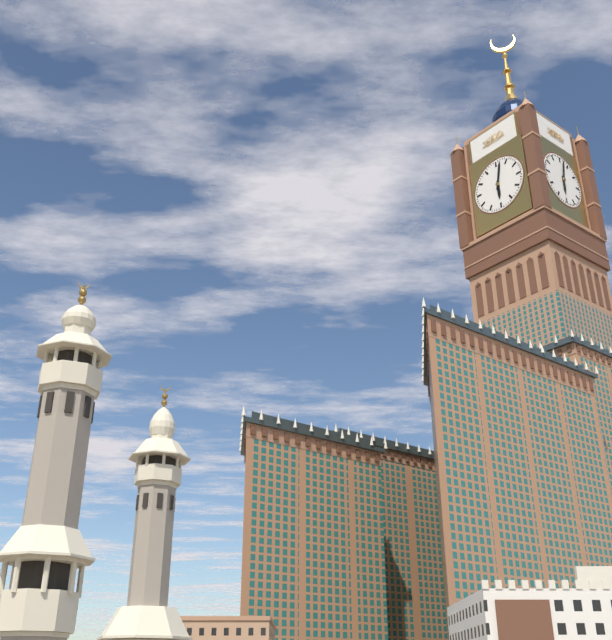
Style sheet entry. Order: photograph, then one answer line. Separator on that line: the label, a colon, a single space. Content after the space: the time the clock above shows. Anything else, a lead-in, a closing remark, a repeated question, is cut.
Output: 6:02
